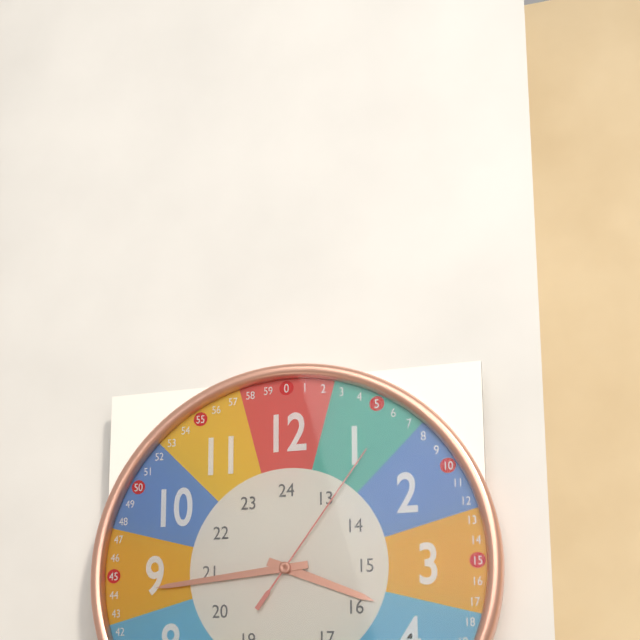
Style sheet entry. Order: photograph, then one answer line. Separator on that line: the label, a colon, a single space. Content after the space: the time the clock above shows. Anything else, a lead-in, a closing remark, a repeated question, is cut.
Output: 3:44:06
